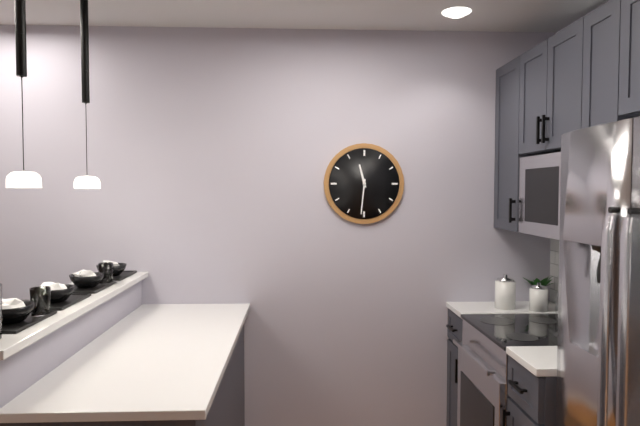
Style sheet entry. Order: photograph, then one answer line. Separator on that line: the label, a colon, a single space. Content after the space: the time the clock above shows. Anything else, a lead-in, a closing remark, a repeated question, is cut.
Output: 11:31
